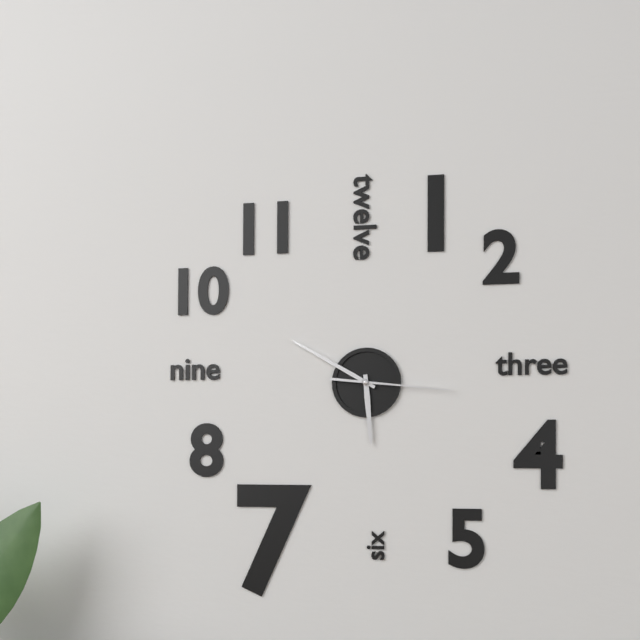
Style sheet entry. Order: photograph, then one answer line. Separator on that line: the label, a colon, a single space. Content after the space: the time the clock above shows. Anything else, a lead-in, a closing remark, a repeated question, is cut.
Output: 5:50:16
